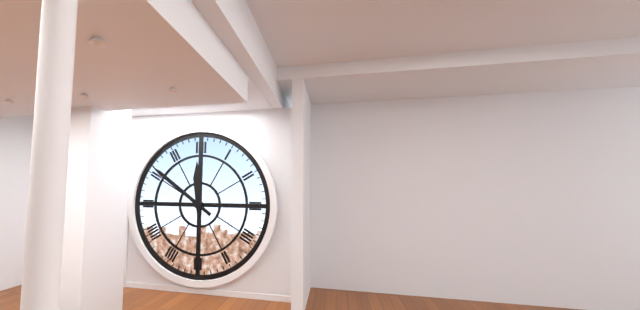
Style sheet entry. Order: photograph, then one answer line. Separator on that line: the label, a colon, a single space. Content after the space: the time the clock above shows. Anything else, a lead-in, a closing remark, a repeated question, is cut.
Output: 11:51
